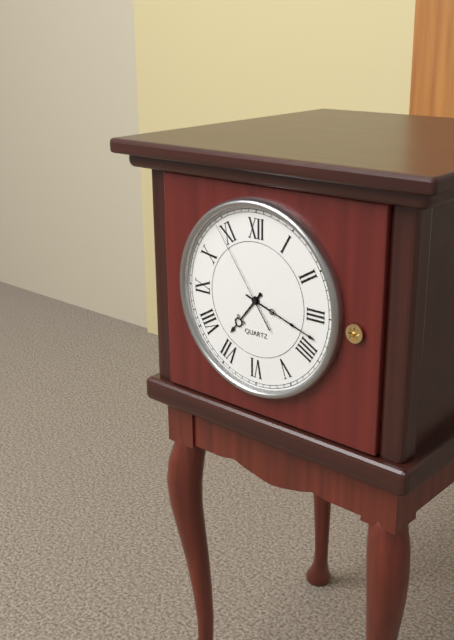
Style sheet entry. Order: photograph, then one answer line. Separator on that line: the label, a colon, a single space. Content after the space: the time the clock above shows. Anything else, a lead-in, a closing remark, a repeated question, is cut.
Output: 7:18:54
